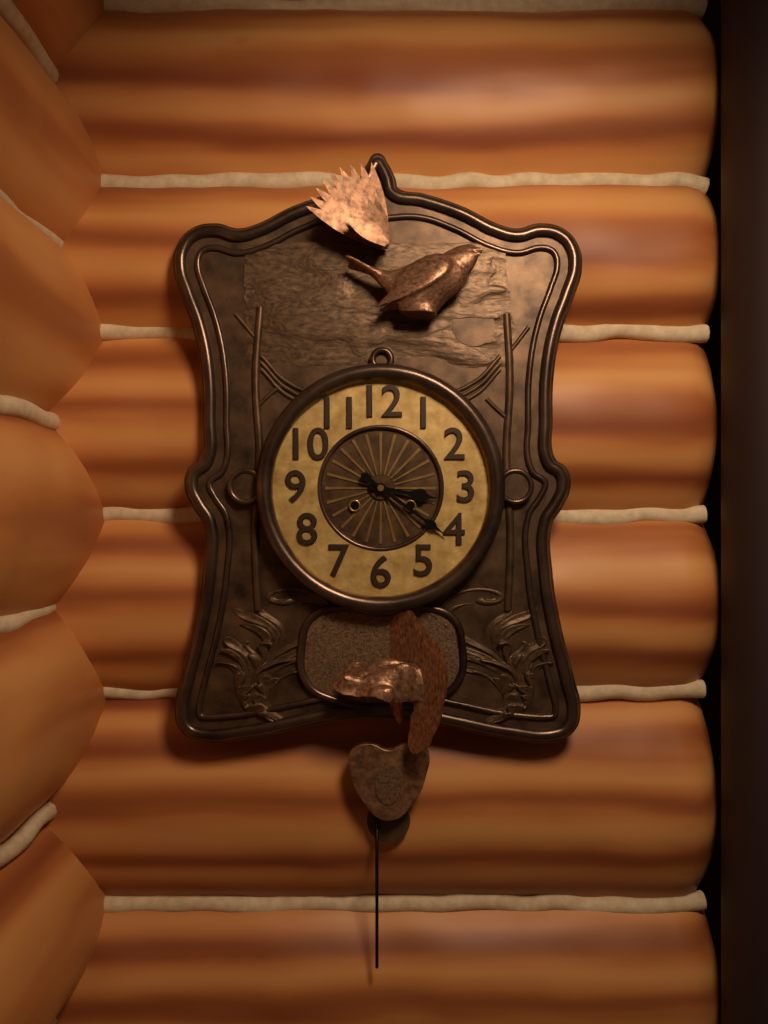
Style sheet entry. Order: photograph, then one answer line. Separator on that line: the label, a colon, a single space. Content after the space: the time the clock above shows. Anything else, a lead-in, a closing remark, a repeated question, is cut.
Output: 3:21
